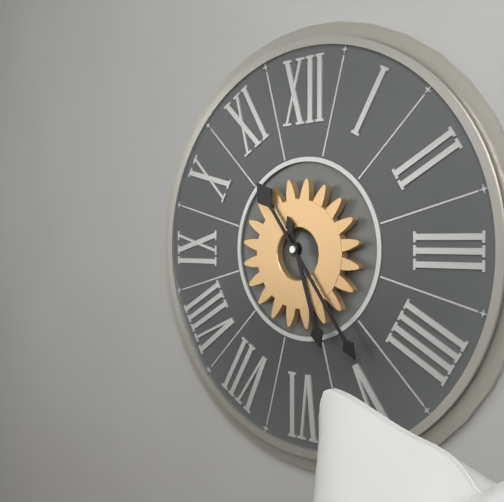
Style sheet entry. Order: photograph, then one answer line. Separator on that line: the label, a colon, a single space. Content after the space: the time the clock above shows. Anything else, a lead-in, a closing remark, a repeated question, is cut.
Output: 5:24
